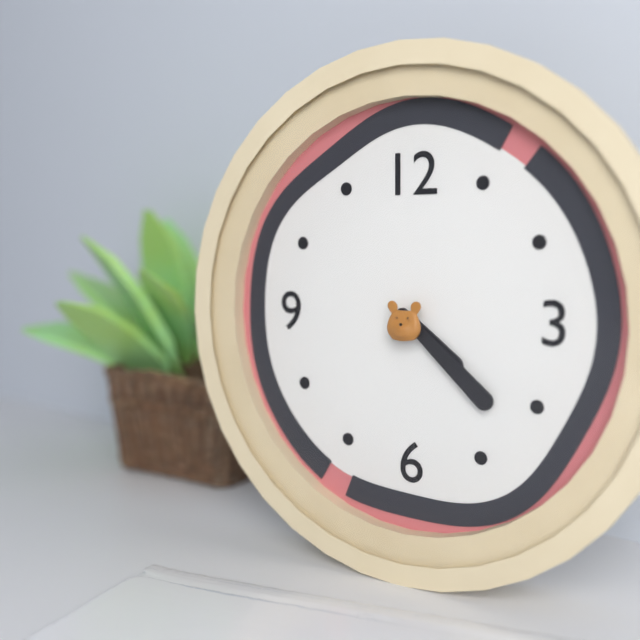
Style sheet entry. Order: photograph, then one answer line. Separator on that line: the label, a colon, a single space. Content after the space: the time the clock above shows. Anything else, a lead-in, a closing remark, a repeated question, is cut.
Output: 4:22
